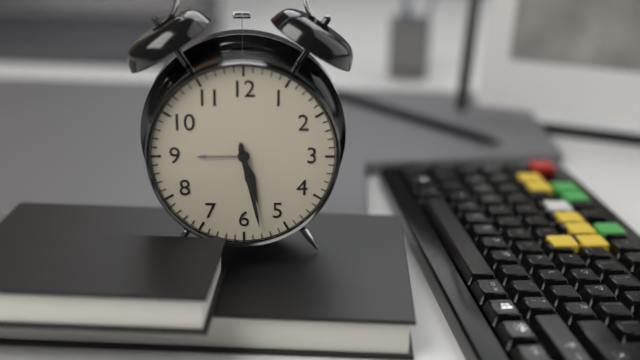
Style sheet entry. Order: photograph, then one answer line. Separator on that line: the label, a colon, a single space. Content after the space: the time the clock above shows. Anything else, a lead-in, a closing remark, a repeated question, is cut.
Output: 5:28
